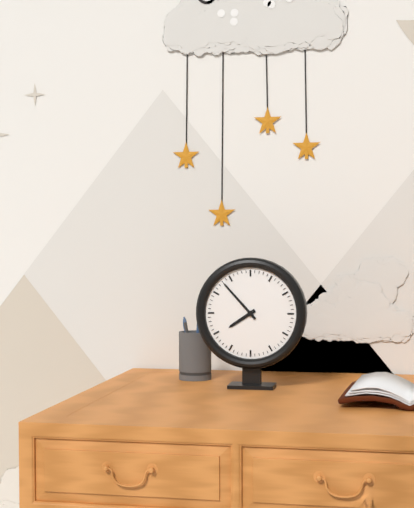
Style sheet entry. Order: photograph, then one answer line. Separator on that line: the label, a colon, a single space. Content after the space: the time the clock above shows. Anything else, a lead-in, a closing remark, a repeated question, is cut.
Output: 7:53
